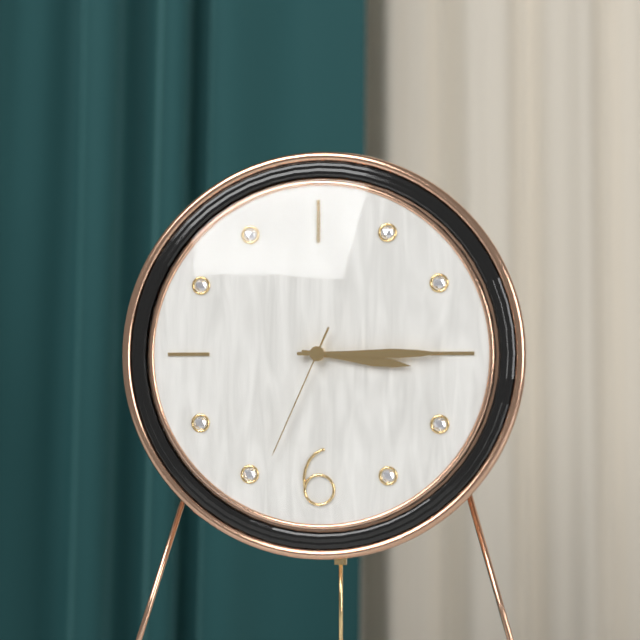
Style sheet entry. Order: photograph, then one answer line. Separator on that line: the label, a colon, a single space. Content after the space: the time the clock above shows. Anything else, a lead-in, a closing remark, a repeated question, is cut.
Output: 3:15:34
